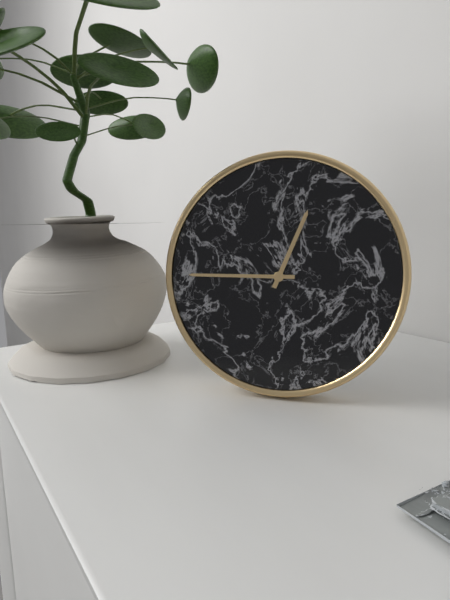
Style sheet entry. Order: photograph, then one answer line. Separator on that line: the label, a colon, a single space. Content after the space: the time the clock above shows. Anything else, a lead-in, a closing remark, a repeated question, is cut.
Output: 12:45
